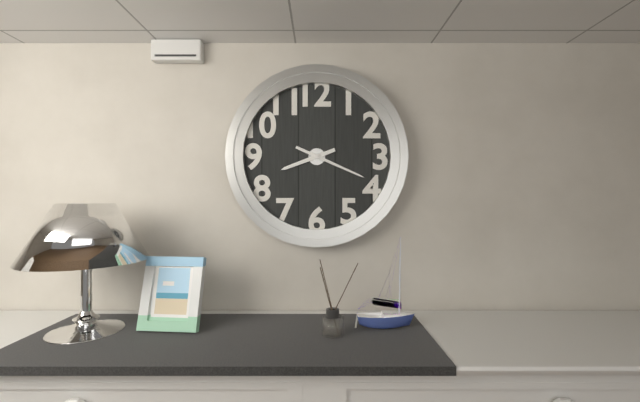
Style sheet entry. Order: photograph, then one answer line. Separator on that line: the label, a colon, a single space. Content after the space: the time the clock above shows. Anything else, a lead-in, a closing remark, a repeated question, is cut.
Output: 8:19
